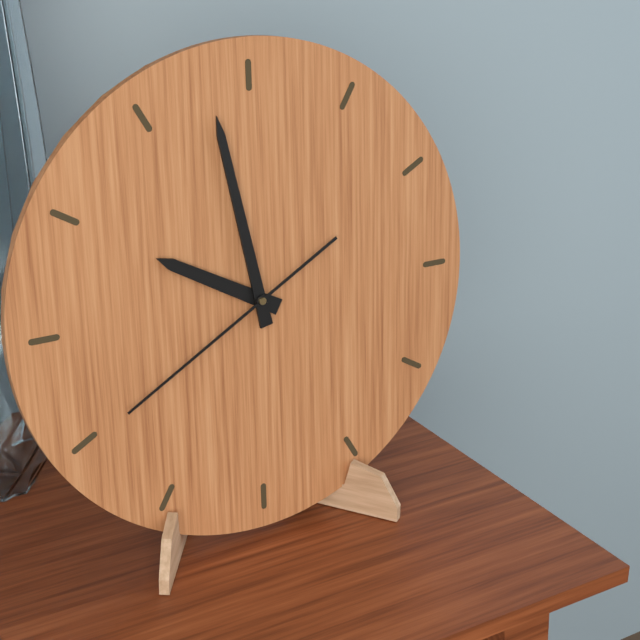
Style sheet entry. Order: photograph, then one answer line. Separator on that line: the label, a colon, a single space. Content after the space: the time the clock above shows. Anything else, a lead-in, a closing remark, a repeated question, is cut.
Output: 9:58:40
